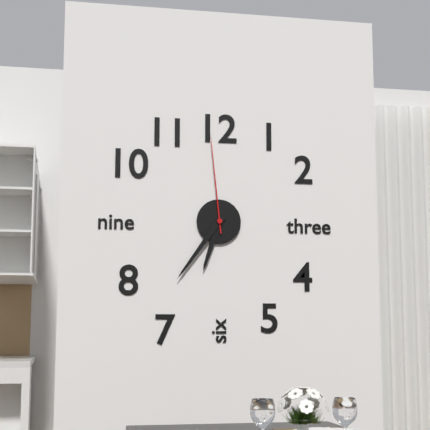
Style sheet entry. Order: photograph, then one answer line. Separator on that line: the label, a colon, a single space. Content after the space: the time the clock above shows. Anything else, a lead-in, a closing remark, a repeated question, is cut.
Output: 6:36:59
